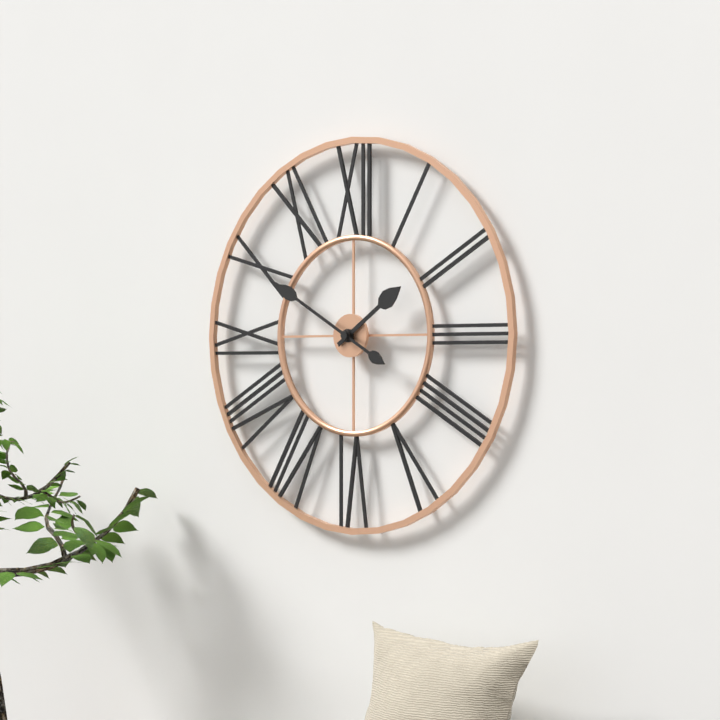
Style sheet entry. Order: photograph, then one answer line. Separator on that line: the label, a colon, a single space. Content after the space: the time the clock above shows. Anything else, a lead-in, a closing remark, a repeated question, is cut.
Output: 1:50
